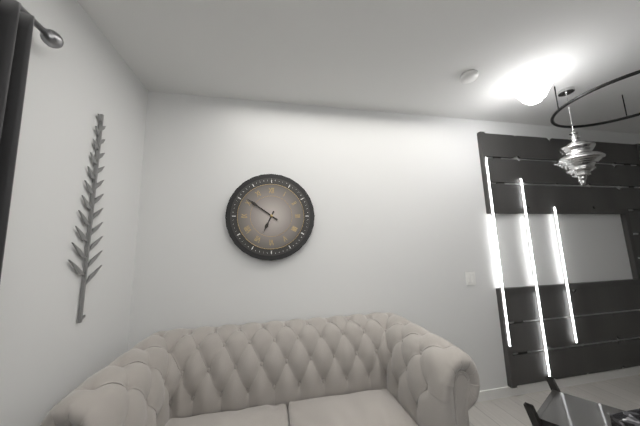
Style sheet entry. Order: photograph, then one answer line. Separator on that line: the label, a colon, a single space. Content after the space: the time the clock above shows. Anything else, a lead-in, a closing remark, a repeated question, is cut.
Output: 6:51
